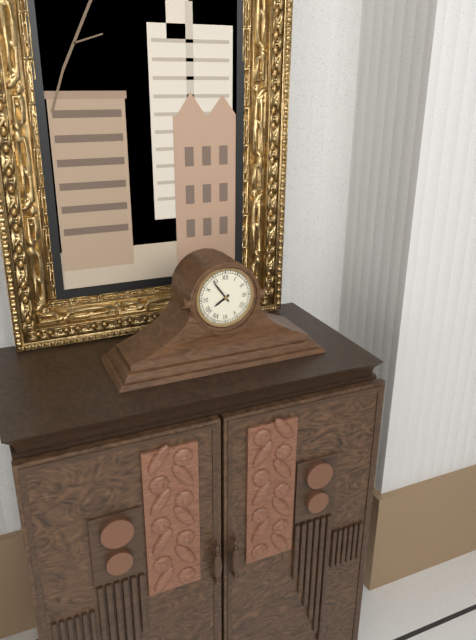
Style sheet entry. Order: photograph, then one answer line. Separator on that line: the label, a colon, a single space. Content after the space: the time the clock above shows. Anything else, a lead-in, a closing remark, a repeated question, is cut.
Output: 7:54
